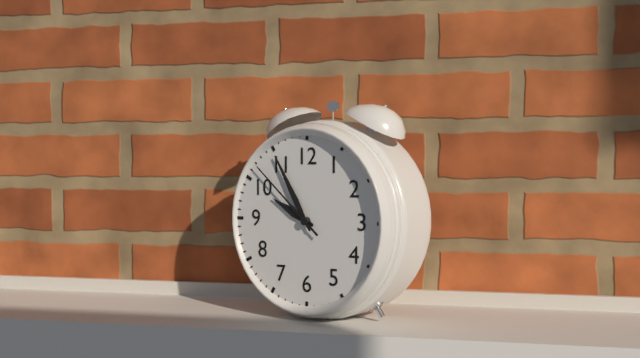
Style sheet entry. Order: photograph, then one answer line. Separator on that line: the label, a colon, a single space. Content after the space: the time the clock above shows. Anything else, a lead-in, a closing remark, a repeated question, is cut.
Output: 9:55:52
